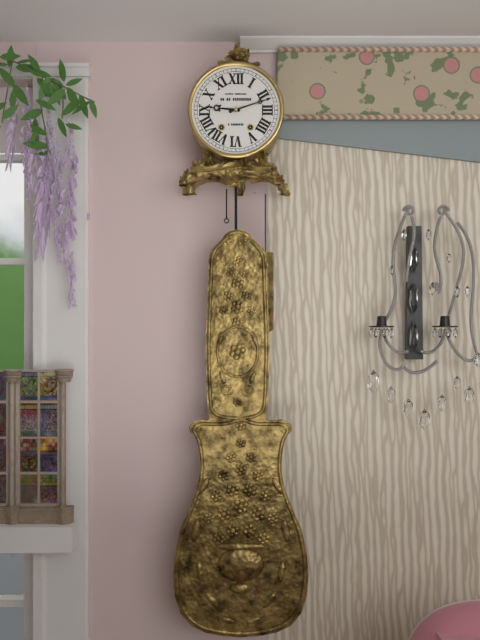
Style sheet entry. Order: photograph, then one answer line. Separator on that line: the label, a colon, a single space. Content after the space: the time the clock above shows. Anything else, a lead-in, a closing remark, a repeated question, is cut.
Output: 9:12
